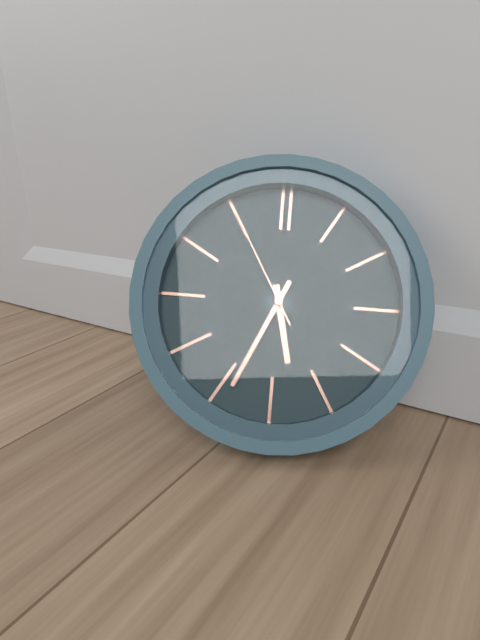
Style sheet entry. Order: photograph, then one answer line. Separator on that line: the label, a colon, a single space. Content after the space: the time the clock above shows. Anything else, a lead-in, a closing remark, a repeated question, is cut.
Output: 5:34:55
